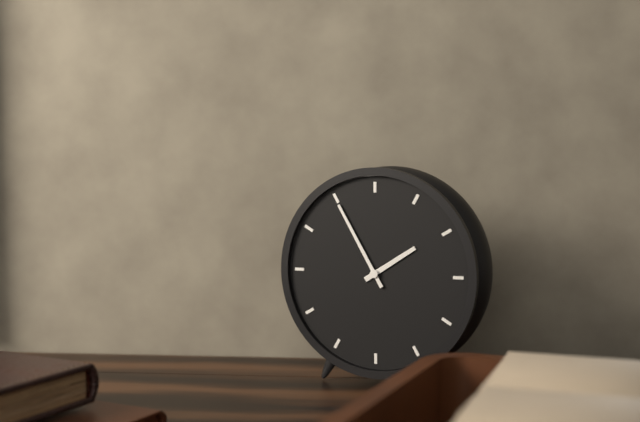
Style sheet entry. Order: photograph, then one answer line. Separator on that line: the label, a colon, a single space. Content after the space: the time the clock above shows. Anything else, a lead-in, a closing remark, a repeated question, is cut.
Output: 1:55
